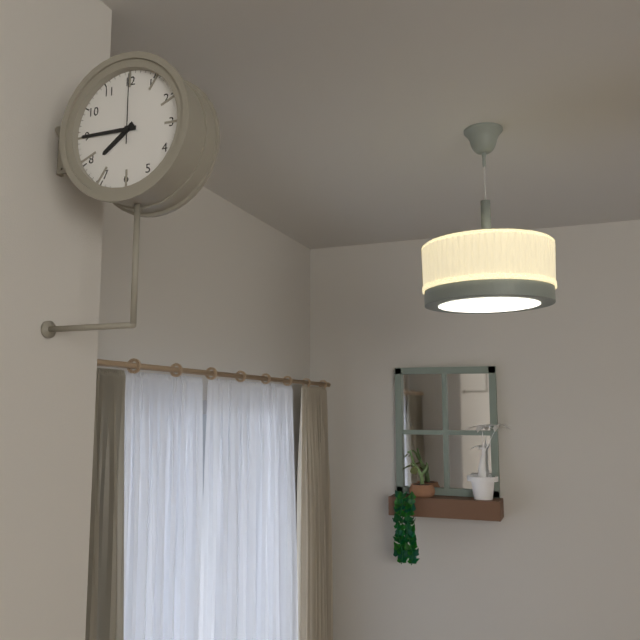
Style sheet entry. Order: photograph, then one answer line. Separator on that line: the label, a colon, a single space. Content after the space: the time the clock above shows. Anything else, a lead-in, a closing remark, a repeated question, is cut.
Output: 7:45:00
